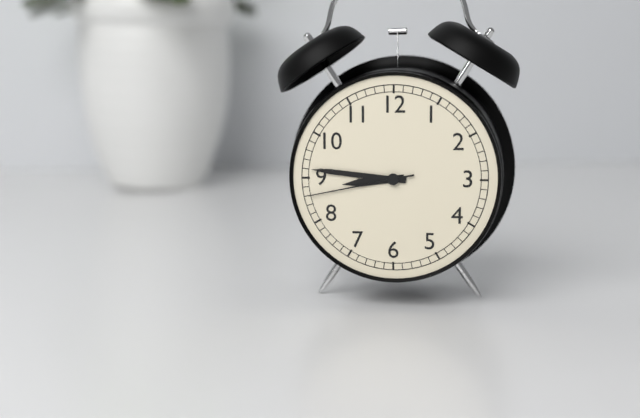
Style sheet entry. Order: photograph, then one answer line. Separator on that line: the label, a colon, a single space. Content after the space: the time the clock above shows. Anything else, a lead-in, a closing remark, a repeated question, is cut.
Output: 8:46:43
